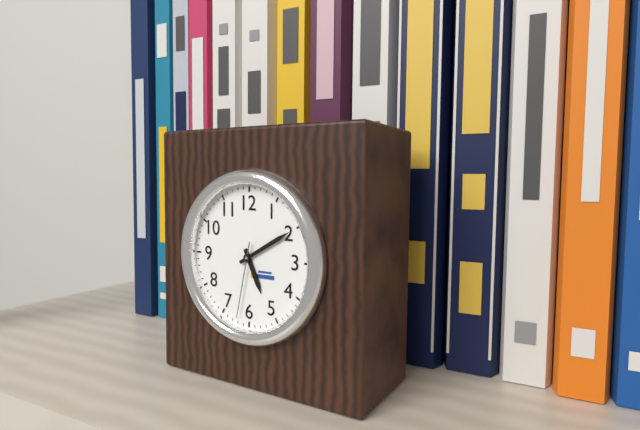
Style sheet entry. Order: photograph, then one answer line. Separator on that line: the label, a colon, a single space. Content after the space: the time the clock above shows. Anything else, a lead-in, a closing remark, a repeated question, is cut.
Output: 5:10:32
